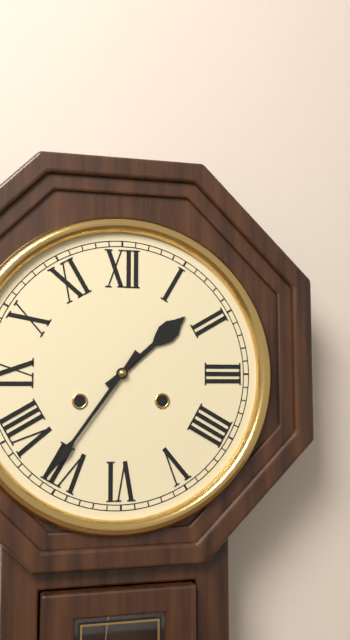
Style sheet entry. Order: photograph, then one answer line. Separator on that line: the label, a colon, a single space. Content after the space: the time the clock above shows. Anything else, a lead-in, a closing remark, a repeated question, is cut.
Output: 1:36
